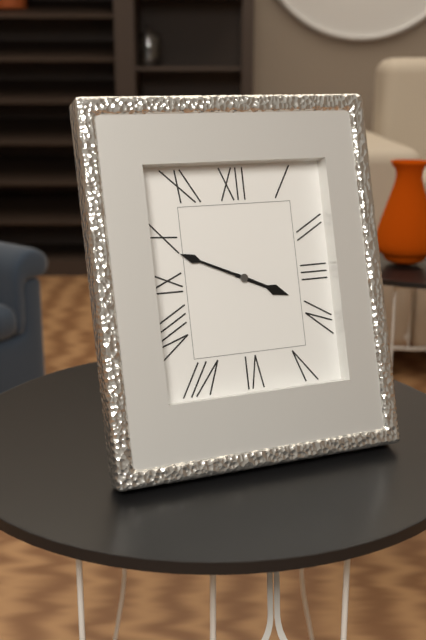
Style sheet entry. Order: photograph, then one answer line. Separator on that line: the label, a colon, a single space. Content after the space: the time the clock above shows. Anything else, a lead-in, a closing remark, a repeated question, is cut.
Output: 3:49
